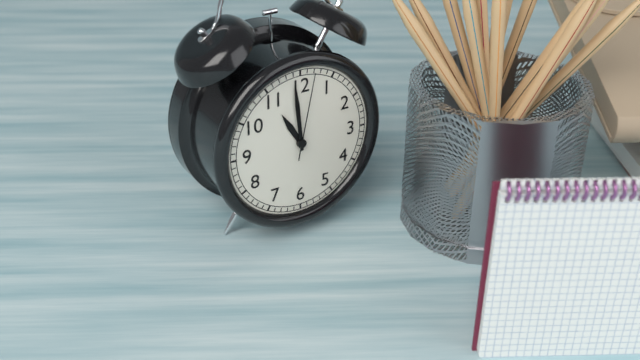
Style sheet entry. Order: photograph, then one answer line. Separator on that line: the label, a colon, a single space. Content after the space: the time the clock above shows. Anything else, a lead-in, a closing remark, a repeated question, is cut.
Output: 10:59:02
